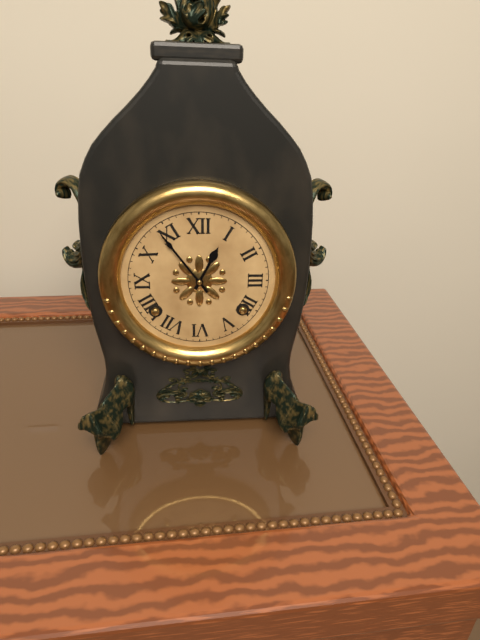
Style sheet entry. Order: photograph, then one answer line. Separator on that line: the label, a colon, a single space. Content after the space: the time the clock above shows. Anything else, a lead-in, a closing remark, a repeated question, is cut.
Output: 12:54
